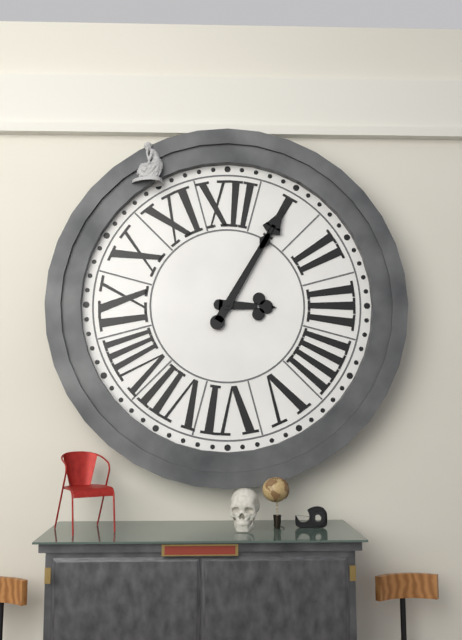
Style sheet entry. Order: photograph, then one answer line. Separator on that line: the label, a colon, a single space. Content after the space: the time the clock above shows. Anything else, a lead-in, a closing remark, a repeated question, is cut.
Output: 3:05
